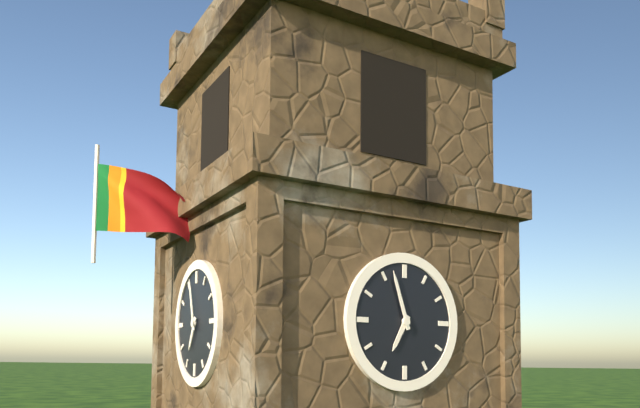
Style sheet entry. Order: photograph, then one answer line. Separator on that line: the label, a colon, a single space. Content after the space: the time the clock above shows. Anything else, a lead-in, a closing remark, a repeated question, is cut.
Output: 6:57
